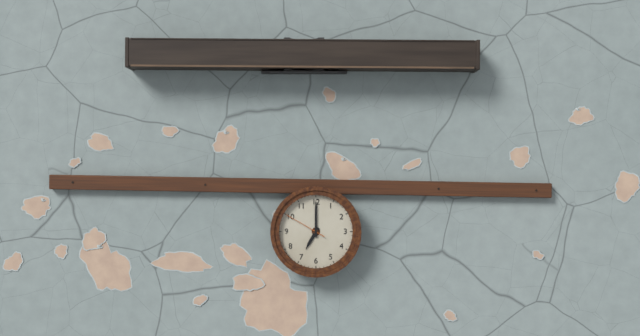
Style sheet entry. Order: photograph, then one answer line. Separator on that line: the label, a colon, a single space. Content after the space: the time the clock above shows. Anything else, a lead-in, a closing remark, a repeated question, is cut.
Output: 7:00
